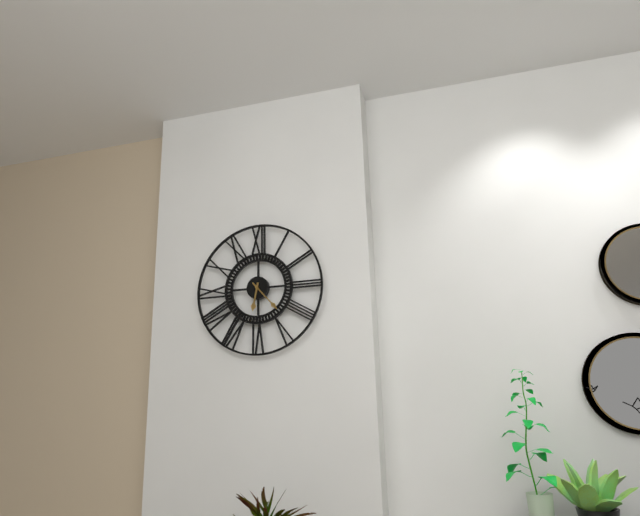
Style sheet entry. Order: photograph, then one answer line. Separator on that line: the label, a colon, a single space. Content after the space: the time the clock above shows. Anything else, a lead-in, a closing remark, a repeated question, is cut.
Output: 6:23
